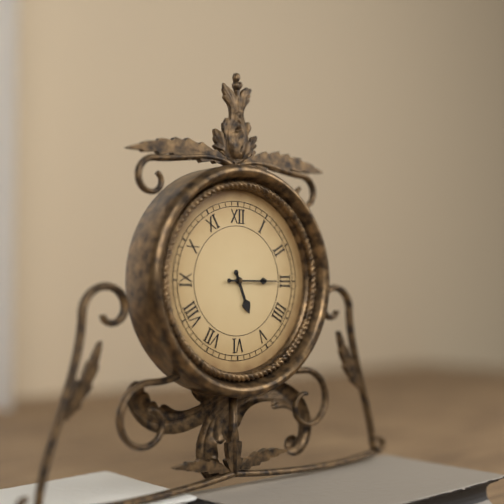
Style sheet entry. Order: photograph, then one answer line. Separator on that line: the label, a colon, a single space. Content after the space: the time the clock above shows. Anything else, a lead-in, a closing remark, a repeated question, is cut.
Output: 5:15
